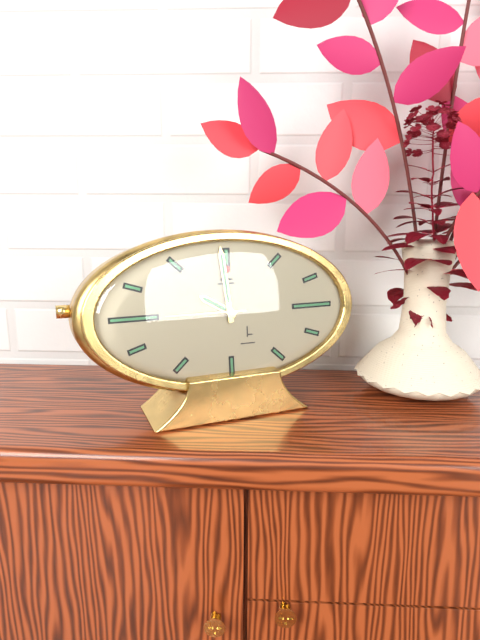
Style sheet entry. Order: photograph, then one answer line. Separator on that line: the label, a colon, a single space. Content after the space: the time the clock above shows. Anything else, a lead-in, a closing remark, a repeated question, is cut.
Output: 9:59:45
